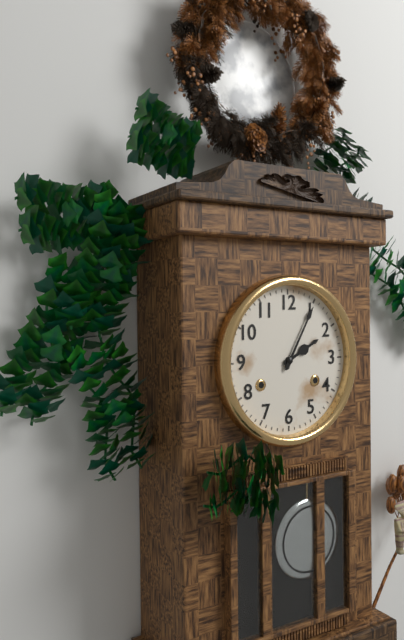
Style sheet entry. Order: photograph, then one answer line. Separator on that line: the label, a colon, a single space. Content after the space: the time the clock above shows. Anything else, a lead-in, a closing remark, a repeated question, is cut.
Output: 2:05
